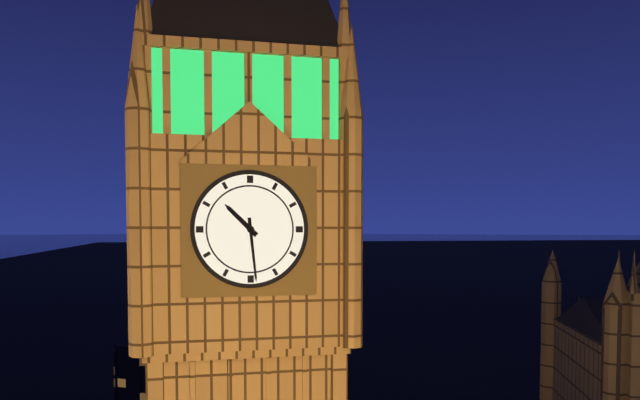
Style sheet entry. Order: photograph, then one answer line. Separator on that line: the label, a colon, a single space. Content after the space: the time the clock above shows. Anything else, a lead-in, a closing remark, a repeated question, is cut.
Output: 10:29
